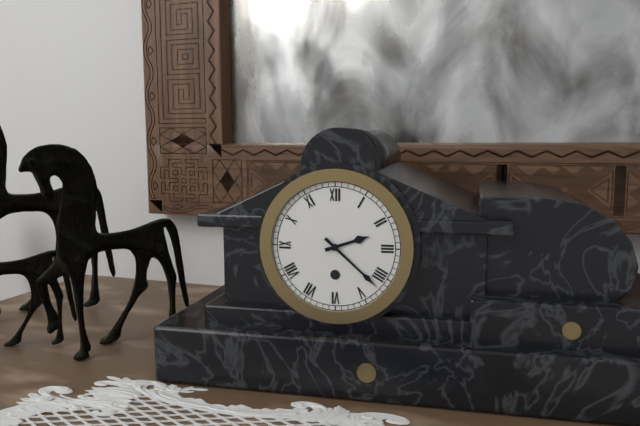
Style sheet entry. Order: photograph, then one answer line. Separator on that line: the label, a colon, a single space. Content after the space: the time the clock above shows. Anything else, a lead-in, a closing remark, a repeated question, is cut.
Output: 2:22
